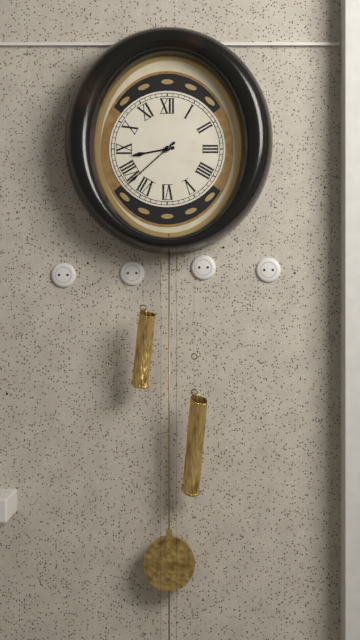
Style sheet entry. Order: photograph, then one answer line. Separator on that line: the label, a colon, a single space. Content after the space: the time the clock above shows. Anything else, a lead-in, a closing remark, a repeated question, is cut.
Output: 8:38
